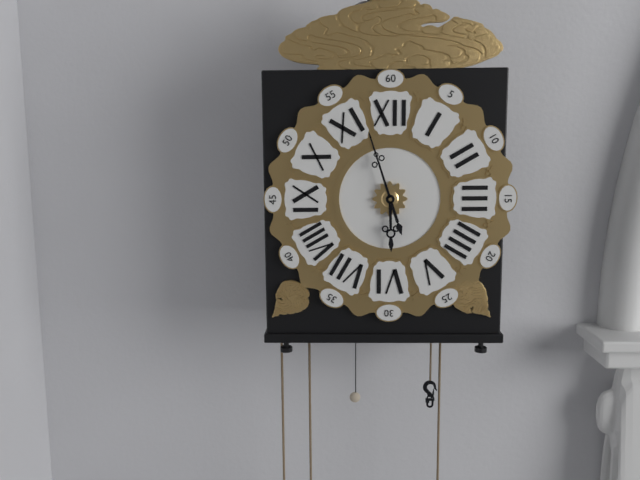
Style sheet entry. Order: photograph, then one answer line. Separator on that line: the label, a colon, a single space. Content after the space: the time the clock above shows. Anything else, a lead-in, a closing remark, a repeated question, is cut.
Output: 5:57
